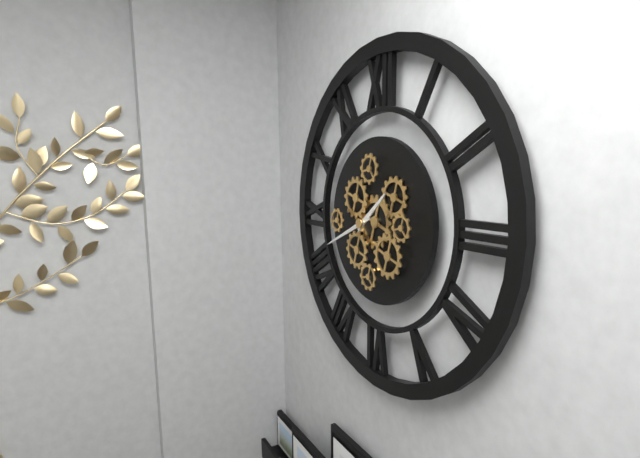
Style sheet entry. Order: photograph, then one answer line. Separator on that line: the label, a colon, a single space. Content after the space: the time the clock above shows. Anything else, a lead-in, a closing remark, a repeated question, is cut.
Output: 1:41
